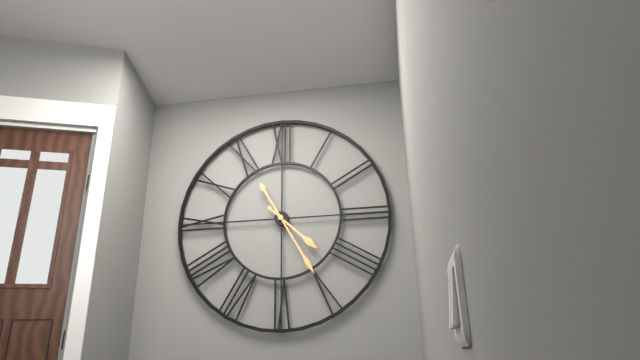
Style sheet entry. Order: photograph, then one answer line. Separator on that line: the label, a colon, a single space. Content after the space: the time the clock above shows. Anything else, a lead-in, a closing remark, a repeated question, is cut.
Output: 4:25
